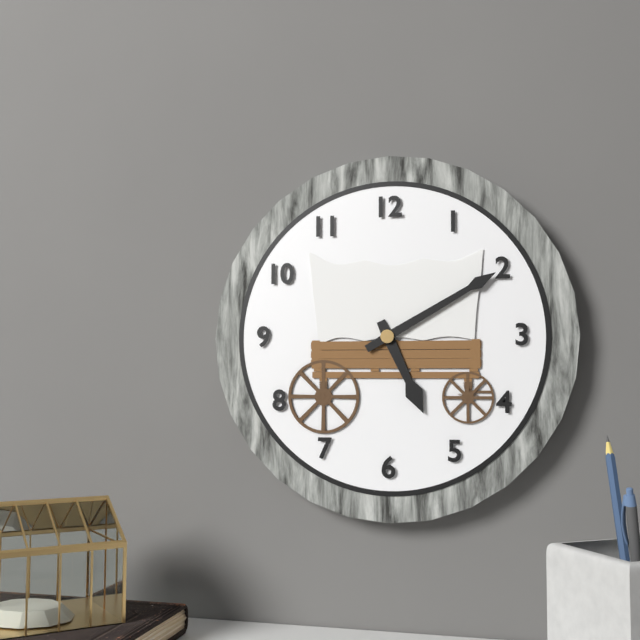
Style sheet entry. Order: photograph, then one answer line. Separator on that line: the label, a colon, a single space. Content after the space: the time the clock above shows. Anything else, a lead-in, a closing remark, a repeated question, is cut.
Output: 5:10
